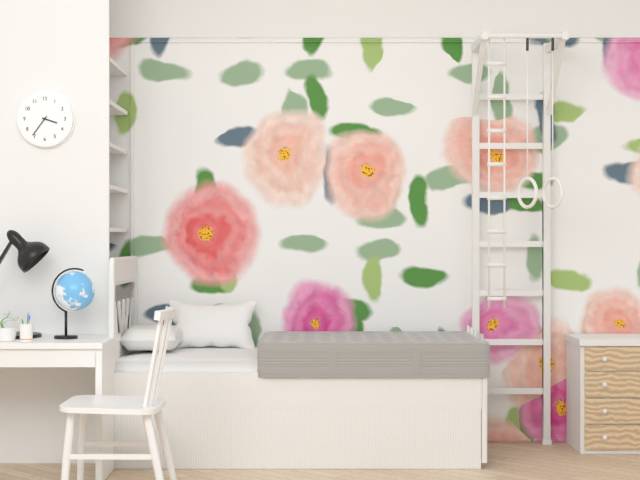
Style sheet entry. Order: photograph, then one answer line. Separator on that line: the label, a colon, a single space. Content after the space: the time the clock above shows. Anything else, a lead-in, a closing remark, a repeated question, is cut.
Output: 3:36
